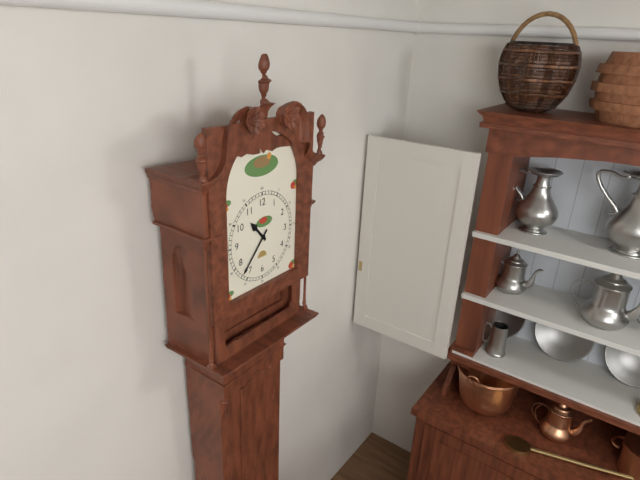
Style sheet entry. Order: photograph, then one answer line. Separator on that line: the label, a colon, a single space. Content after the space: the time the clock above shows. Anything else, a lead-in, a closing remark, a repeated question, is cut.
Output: 10:37
